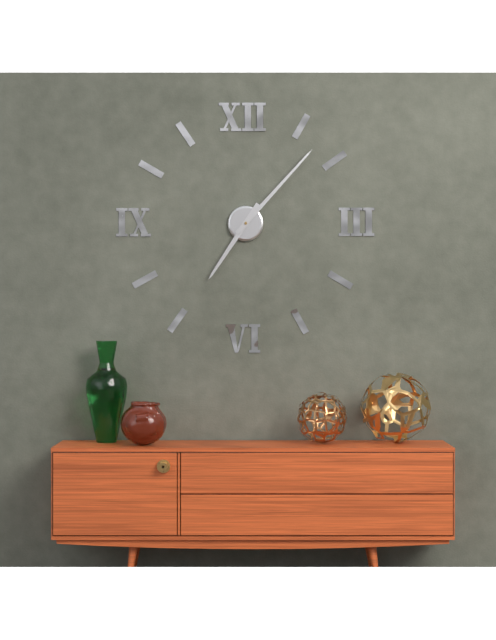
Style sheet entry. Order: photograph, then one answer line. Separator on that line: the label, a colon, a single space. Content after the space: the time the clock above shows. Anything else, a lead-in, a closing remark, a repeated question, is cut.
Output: 7:07
